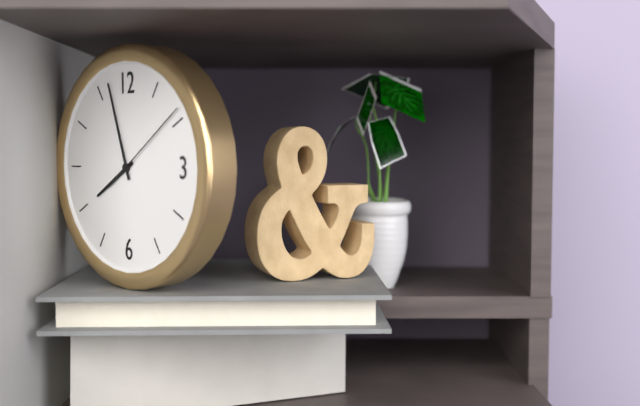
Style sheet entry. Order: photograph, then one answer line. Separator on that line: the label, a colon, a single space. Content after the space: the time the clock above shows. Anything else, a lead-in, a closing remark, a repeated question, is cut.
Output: 7:57:09
